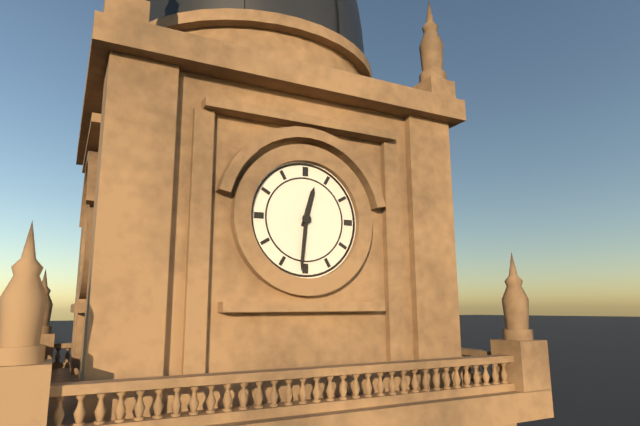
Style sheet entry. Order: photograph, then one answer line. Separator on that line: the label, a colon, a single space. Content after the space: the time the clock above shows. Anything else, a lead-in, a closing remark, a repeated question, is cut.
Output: 12:31
